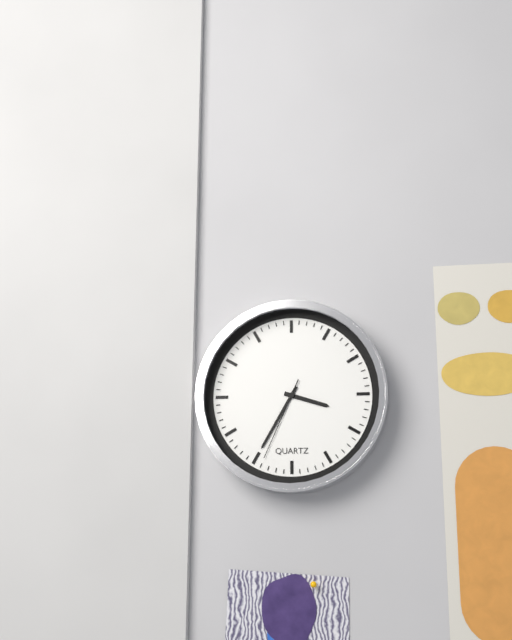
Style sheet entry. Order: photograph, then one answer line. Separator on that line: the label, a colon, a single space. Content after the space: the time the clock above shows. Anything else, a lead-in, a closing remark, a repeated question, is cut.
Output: 3:35:34
